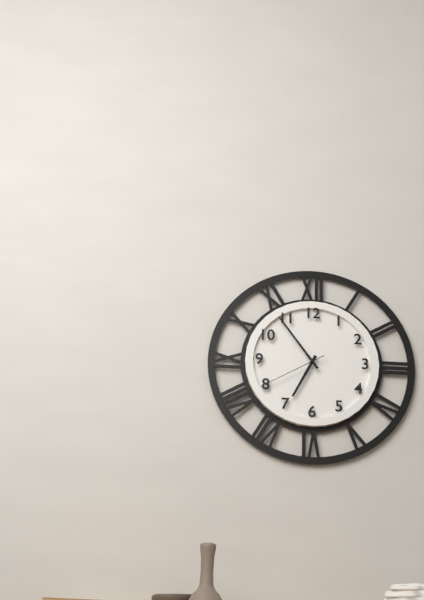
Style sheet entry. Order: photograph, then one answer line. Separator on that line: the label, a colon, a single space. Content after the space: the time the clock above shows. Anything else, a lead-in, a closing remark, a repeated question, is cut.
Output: 6:54:40
